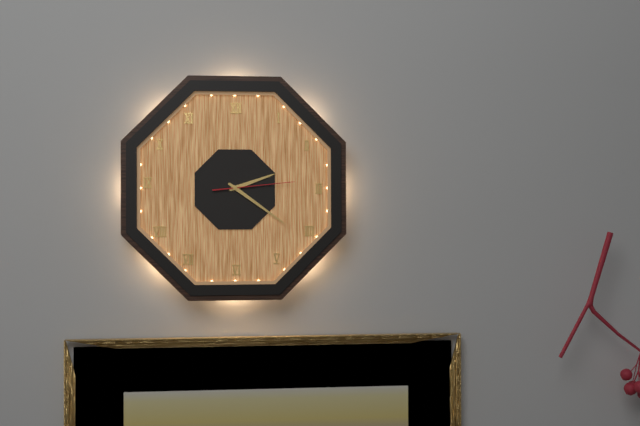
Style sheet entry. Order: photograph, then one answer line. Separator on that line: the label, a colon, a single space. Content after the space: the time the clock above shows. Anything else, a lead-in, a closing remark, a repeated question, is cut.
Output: 2:21:14
